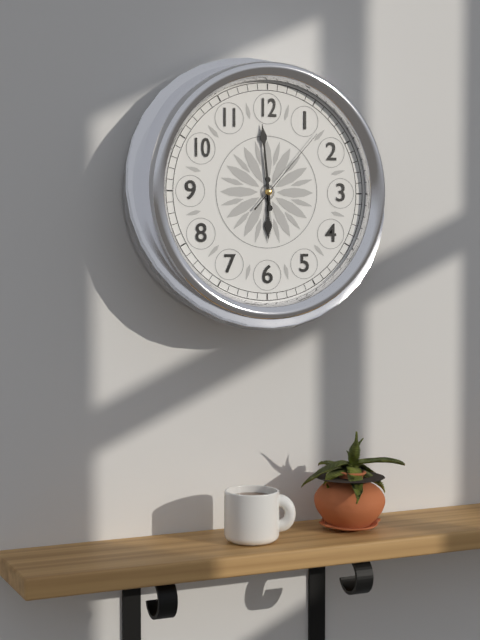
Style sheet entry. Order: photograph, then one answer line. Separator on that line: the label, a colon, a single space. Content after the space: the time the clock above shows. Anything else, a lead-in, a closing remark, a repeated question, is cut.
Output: 5:59:07
